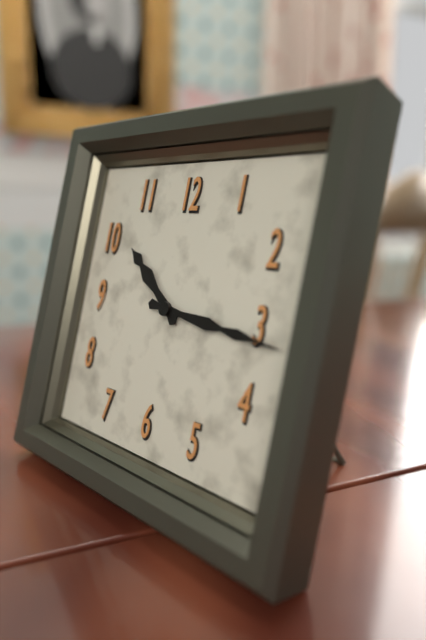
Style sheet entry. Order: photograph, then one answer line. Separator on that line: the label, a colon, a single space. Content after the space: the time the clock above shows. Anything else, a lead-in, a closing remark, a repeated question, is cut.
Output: 10:16
